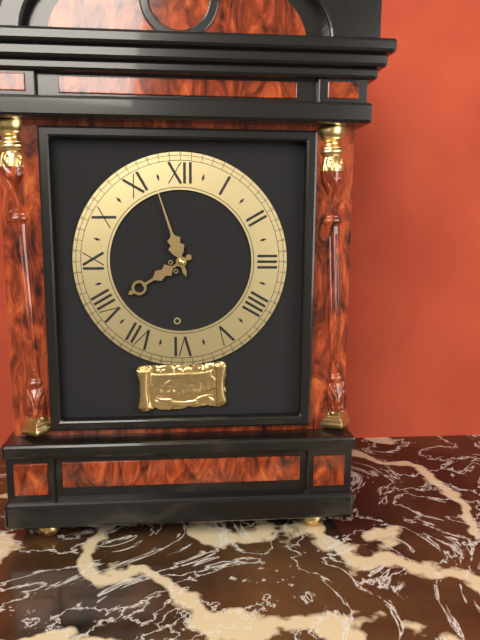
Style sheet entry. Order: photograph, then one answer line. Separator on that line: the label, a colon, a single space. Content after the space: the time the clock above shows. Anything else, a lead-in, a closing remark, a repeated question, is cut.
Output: 7:57
